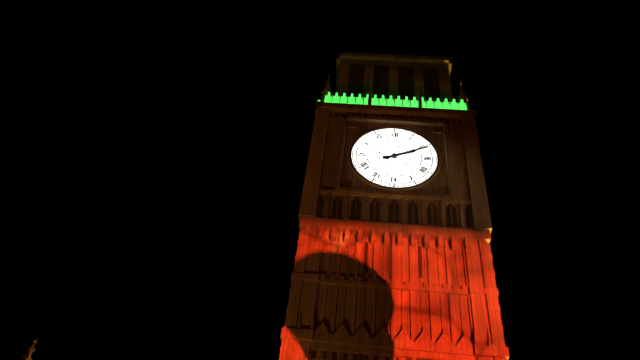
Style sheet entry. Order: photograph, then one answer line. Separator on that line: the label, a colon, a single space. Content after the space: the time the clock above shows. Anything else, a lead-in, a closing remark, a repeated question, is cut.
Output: 2:11
